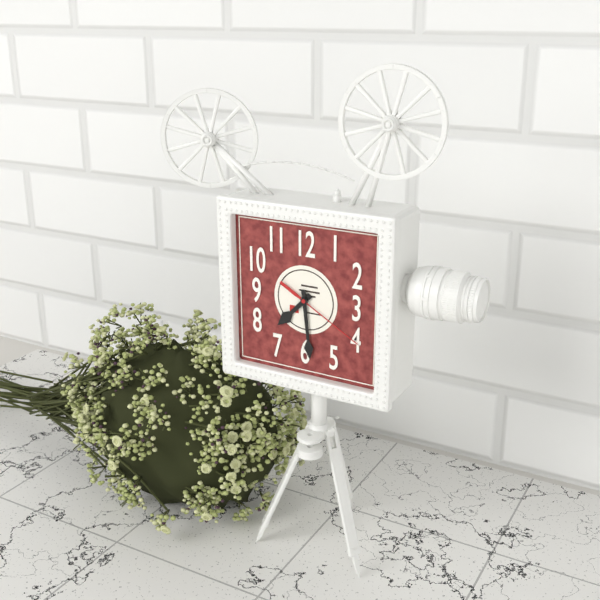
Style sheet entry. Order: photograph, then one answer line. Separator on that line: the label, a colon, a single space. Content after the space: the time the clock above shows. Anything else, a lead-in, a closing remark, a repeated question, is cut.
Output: 7:29:20
